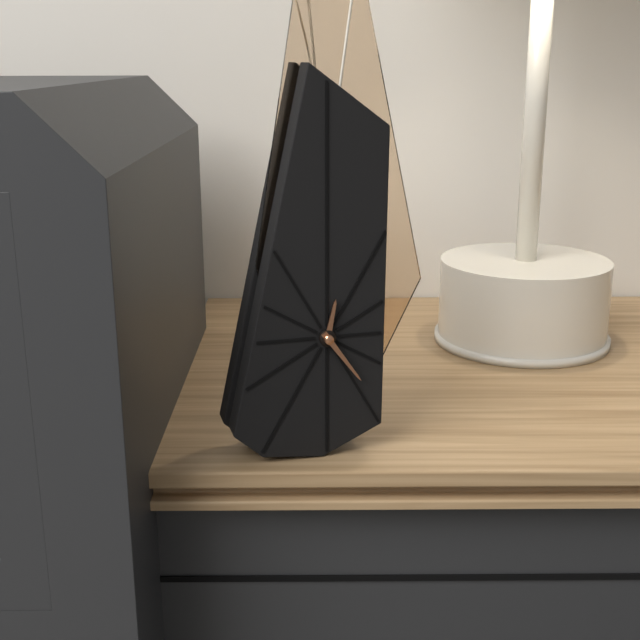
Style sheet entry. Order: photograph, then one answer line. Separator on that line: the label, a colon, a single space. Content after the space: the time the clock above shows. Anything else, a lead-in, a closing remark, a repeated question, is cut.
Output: 12:24
